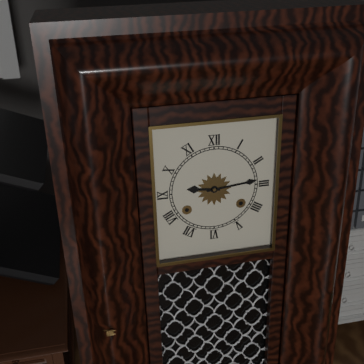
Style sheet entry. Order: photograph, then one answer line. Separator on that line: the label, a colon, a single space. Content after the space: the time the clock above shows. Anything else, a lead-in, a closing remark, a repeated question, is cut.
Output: 9:14
